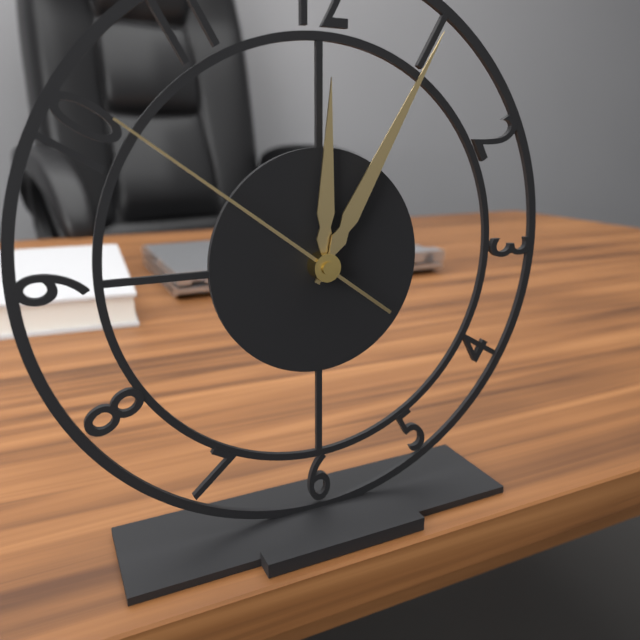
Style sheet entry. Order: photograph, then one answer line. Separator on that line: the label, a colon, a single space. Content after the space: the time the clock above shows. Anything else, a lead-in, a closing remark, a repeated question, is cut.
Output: 12:05:51
